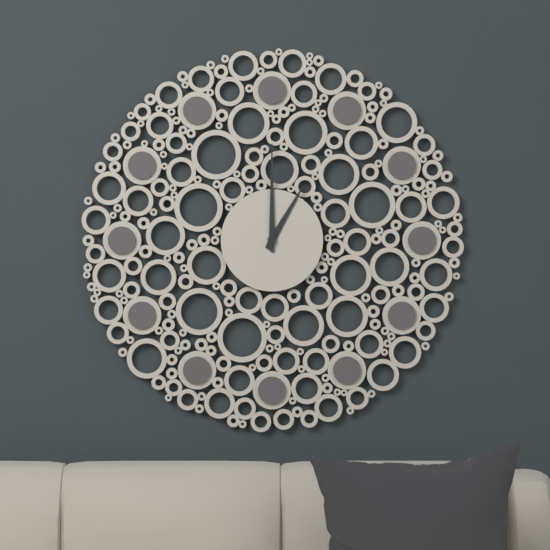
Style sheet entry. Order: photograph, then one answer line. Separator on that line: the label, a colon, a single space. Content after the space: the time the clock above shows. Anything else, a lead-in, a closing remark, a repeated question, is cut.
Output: 1:00
